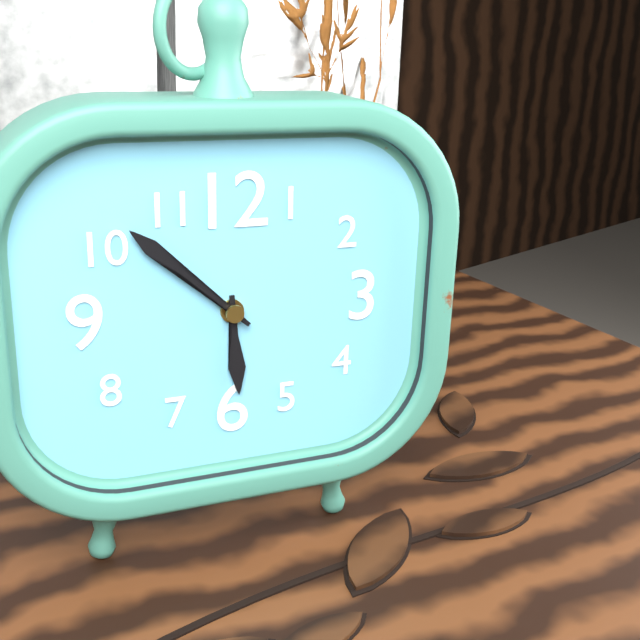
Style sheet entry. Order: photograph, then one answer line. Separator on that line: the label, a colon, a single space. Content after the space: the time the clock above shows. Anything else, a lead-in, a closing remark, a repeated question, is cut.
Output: 5:52
